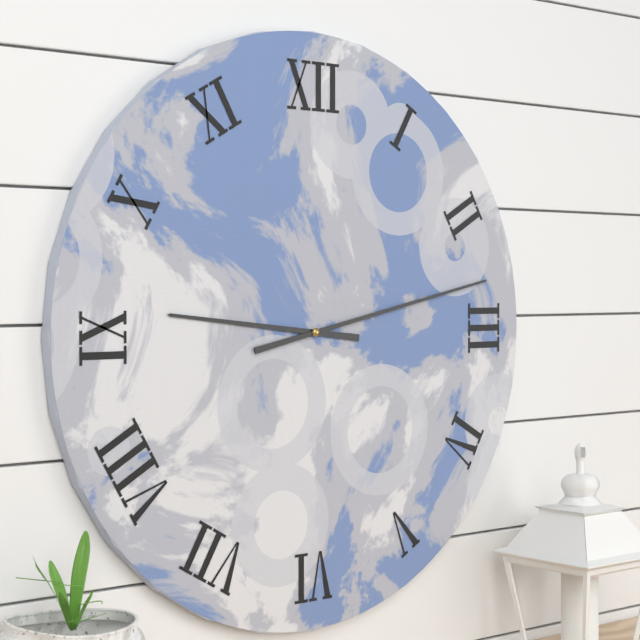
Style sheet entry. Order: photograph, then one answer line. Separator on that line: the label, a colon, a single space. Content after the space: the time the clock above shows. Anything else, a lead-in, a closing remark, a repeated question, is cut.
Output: 9:13
